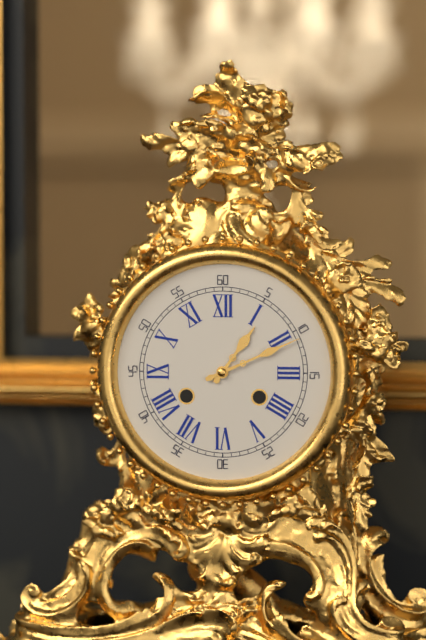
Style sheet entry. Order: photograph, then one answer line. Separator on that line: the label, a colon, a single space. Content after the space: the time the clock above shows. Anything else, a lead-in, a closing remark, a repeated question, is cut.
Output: 1:11
